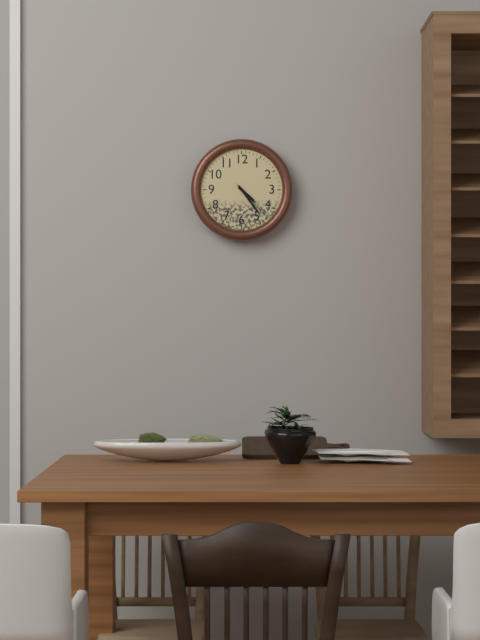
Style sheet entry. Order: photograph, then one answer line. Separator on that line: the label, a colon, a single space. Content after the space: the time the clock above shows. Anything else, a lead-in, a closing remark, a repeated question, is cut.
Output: 4:24
